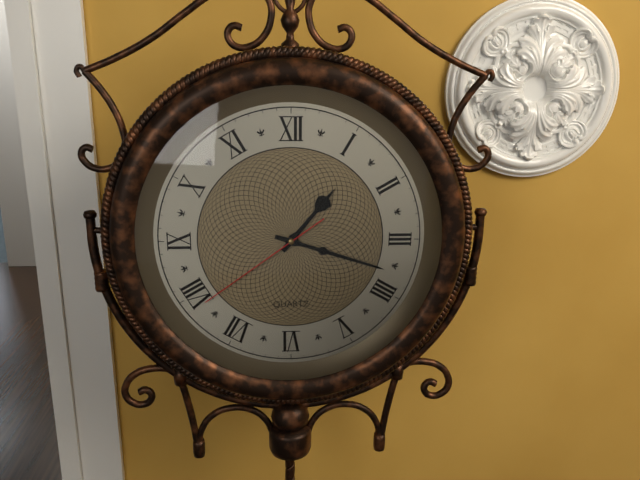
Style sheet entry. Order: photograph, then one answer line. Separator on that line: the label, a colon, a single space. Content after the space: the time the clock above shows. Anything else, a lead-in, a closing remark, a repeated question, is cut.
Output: 1:18:39
